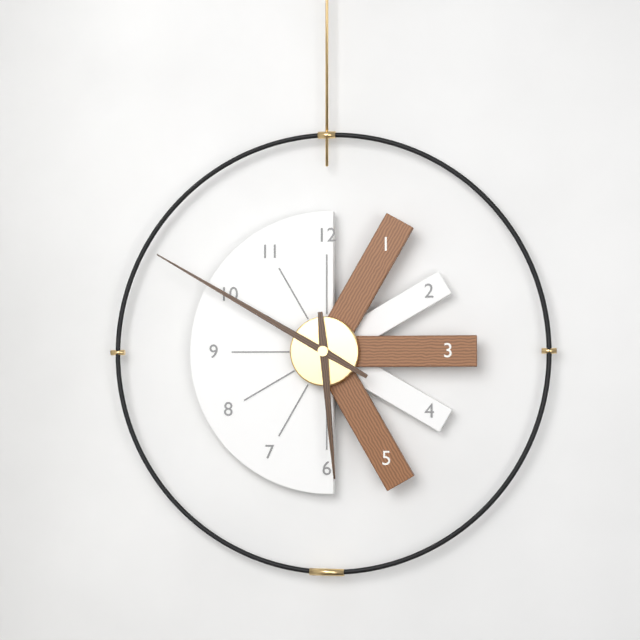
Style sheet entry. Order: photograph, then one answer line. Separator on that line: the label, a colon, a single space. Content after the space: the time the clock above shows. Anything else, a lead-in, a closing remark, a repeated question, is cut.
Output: 5:50
